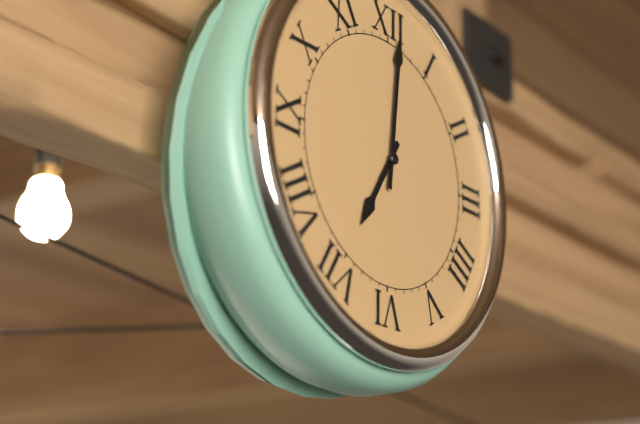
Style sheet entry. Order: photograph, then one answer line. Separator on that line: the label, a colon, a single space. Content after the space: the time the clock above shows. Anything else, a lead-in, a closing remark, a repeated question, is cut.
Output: 7:01
